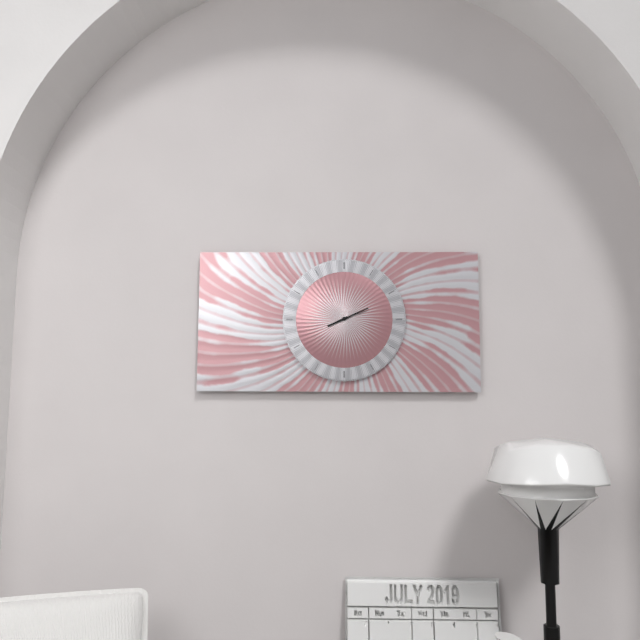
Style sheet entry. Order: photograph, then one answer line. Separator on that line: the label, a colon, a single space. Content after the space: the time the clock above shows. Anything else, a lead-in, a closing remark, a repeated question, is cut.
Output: 8:11
